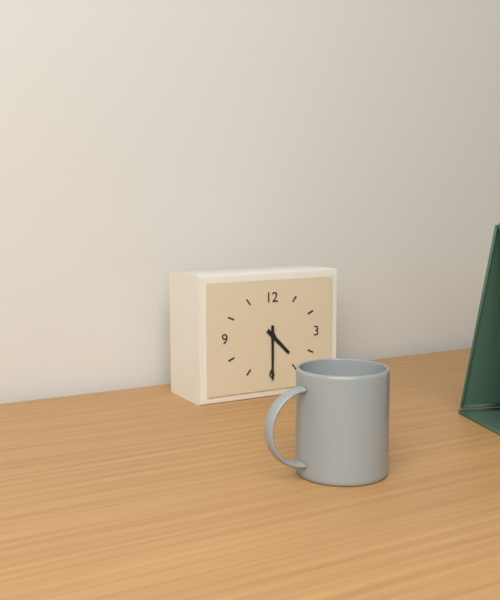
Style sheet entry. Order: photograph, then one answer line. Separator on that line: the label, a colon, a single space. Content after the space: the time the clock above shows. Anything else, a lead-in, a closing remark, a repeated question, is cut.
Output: 4:30
